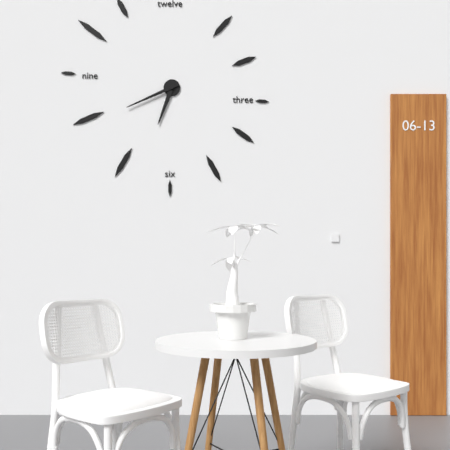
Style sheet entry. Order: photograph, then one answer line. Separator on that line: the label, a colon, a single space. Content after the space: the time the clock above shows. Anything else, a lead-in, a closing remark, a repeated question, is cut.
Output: 6:41
